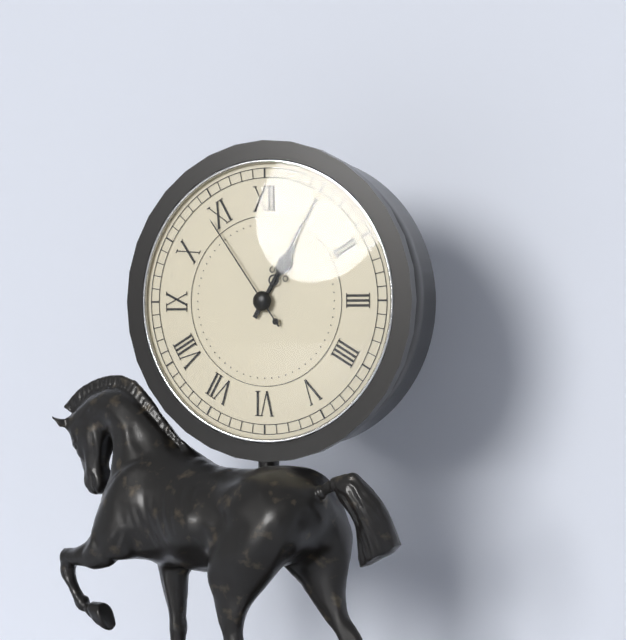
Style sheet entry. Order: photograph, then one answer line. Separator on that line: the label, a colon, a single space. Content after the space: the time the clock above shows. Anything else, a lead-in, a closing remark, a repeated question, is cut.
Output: 1:05:54
